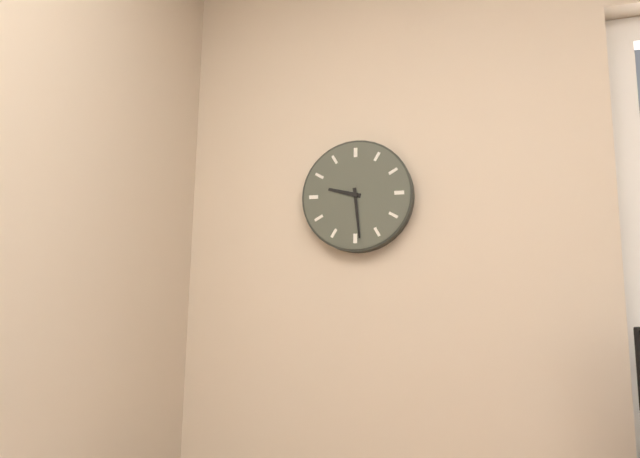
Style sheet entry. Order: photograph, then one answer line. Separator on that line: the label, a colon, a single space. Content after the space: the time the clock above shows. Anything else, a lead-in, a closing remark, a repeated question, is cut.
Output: 9:29
